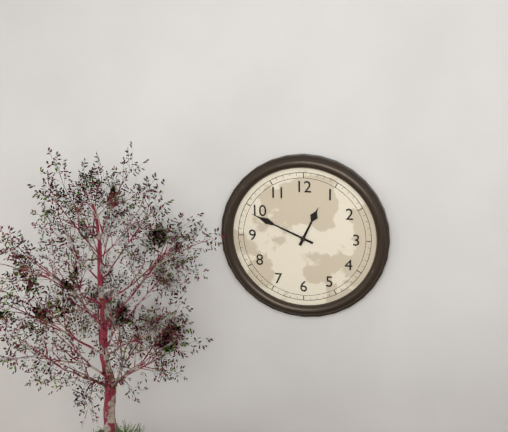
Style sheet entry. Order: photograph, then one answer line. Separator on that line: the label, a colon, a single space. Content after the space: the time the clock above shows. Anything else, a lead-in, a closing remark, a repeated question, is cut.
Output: 12:49
